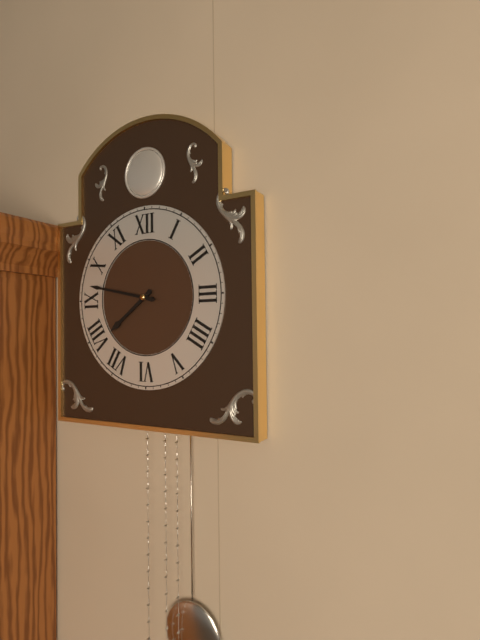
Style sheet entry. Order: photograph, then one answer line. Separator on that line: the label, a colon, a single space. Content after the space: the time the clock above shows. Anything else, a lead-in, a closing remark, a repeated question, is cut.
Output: 7:47
